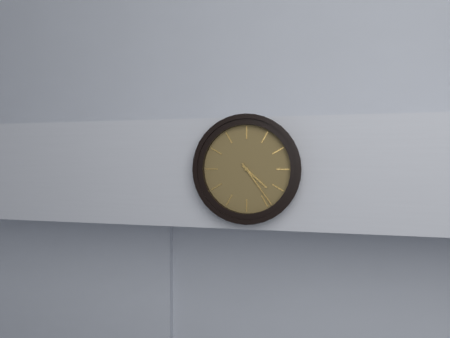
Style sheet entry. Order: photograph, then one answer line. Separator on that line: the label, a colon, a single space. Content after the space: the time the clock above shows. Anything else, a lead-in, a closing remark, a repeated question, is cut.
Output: 4:24
